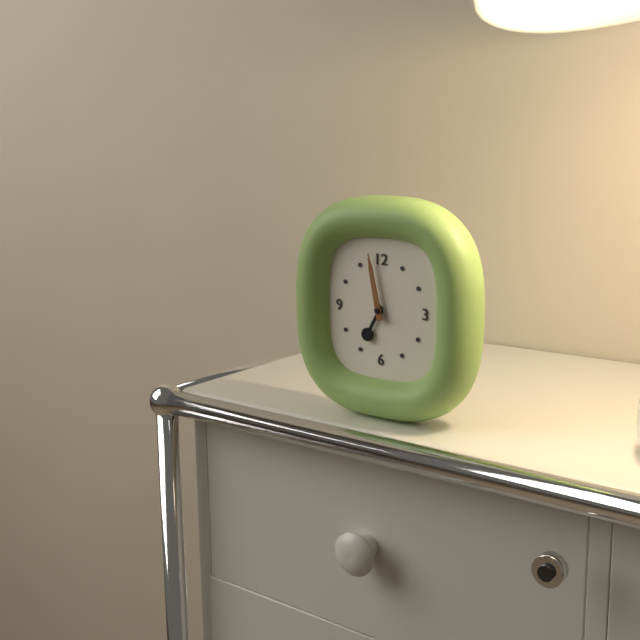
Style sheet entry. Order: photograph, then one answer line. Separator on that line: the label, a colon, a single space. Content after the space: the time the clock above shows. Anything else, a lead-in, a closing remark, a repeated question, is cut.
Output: 6:58
